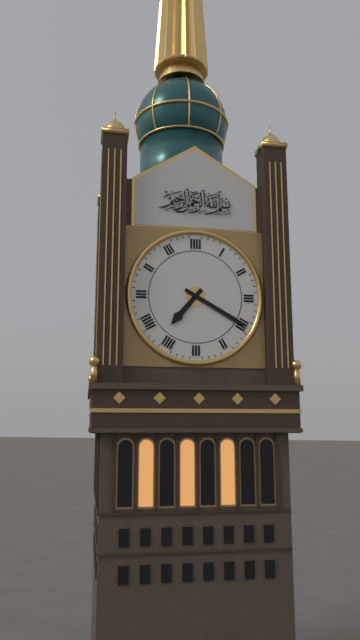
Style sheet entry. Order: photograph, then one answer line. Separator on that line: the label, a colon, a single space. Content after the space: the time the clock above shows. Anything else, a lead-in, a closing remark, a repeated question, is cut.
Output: 7:20
